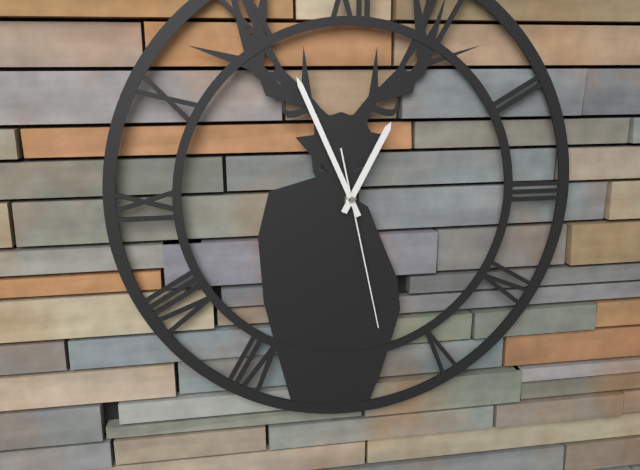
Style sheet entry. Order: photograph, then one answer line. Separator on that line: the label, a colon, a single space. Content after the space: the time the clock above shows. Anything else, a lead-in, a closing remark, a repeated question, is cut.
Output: 12:56:28
